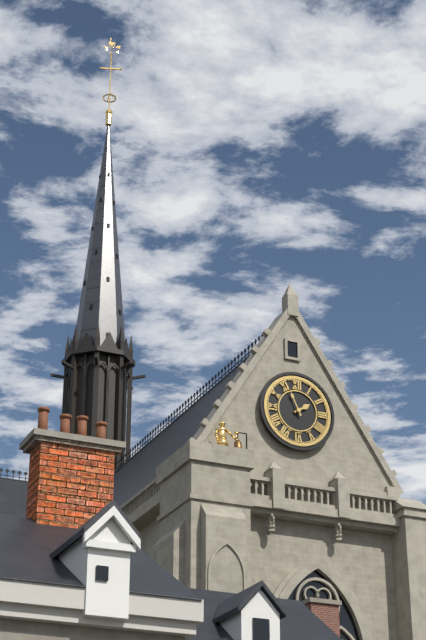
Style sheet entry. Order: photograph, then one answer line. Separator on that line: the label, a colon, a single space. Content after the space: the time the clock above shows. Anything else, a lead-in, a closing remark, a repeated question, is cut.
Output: 1:56
